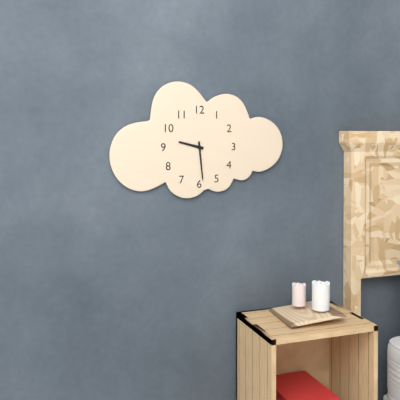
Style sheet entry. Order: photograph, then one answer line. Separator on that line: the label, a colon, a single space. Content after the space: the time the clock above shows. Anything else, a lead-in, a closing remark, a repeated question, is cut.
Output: 9:29
